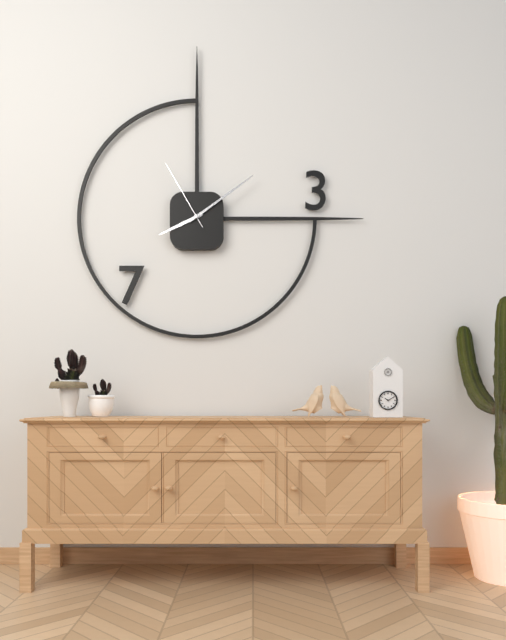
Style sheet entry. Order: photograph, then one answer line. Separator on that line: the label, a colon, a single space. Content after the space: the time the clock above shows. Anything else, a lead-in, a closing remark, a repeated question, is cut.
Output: 8:09:55
